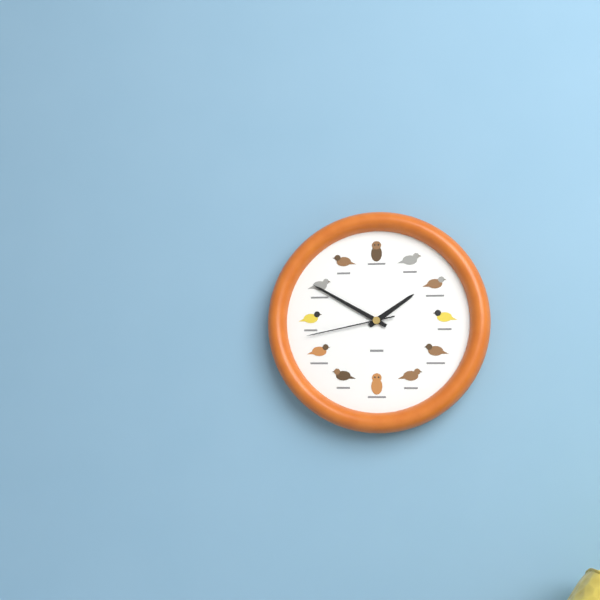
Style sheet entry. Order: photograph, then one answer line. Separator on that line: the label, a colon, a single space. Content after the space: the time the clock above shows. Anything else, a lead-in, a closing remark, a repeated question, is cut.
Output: 1:50:43
